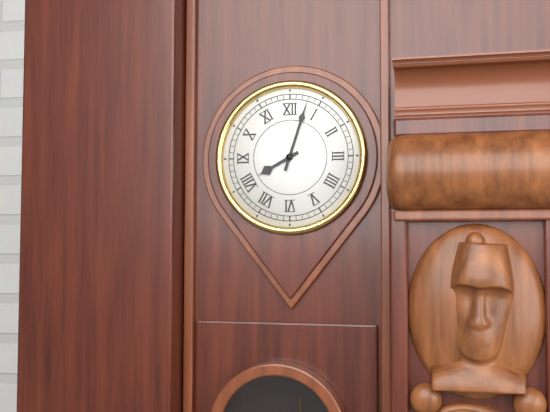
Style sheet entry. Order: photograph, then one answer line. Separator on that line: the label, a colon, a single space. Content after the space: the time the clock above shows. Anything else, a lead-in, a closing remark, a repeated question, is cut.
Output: 8:03
